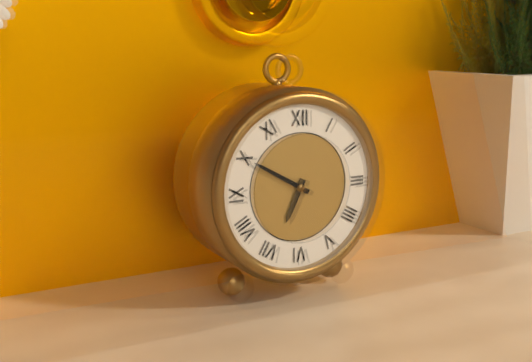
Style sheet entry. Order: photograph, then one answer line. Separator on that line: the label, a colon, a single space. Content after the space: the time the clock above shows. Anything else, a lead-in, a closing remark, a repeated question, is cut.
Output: 6:50
